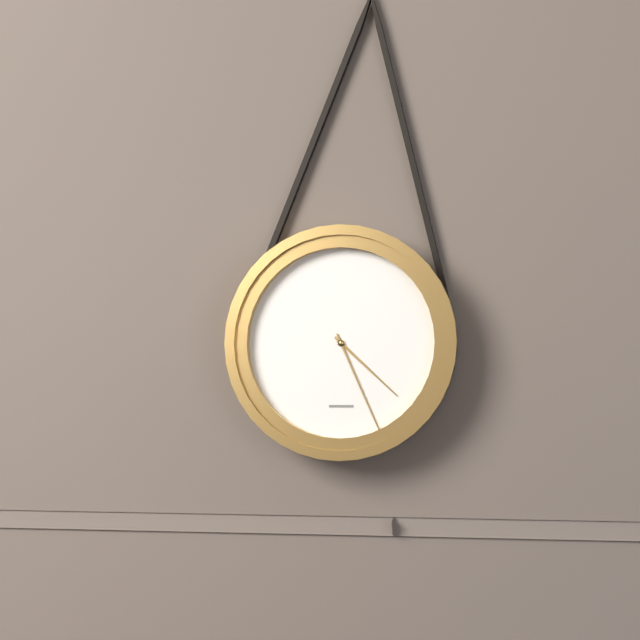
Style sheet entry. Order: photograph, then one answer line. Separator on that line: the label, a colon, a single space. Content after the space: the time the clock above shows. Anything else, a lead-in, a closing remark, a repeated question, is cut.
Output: 4:26
